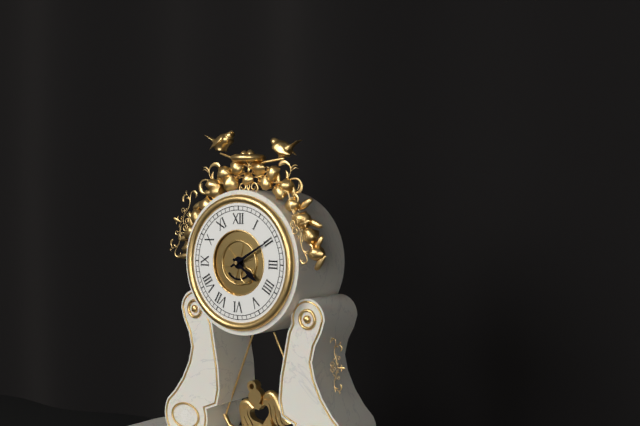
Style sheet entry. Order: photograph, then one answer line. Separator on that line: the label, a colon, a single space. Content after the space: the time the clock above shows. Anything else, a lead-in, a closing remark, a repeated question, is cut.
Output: 4:10
